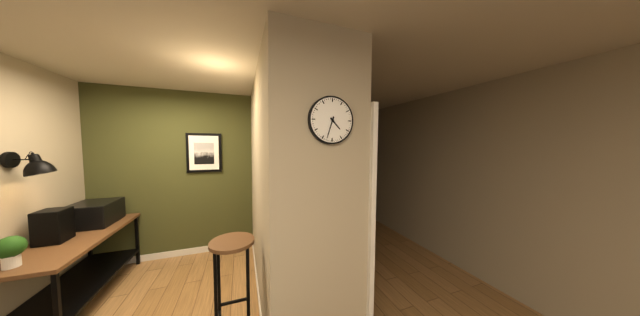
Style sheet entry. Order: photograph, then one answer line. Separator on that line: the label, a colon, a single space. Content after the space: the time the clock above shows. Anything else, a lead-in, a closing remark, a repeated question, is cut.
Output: 4:33
